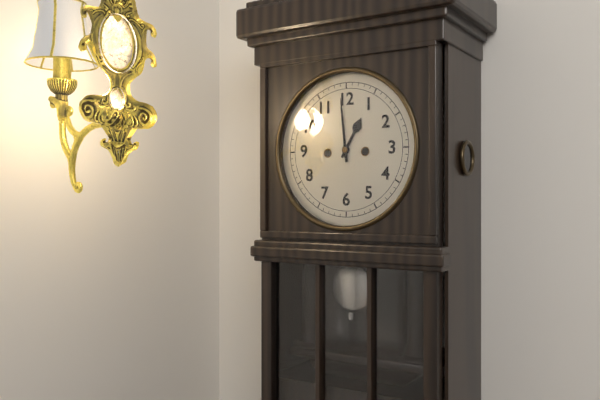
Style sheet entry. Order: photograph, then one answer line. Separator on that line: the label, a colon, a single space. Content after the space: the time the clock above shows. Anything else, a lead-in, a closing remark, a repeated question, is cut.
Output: 12:59
